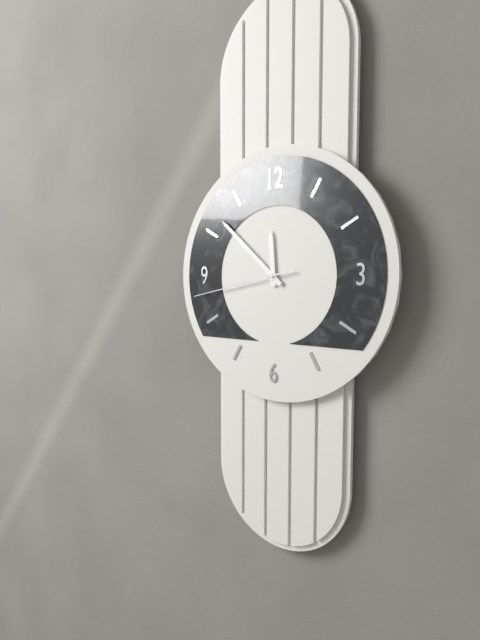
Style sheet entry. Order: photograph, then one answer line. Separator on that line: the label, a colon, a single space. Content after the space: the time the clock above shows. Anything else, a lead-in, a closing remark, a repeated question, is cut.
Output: 11:52:43
